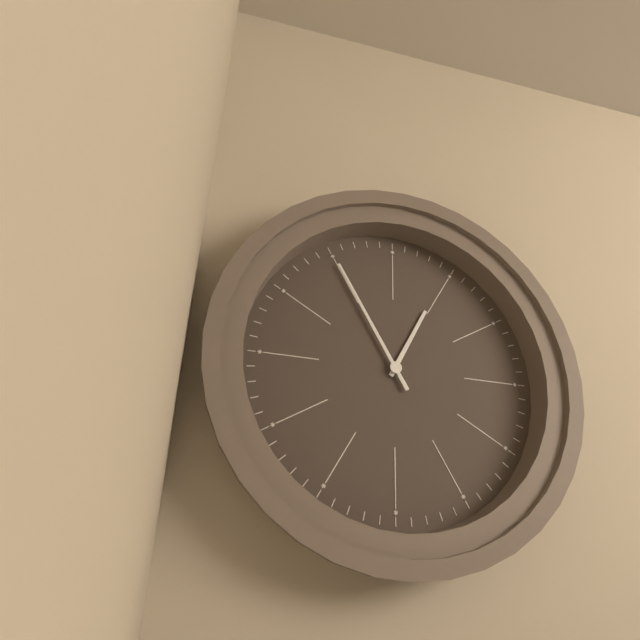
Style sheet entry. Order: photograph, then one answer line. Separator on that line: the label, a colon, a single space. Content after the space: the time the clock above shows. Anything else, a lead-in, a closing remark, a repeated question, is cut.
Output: 12:55
